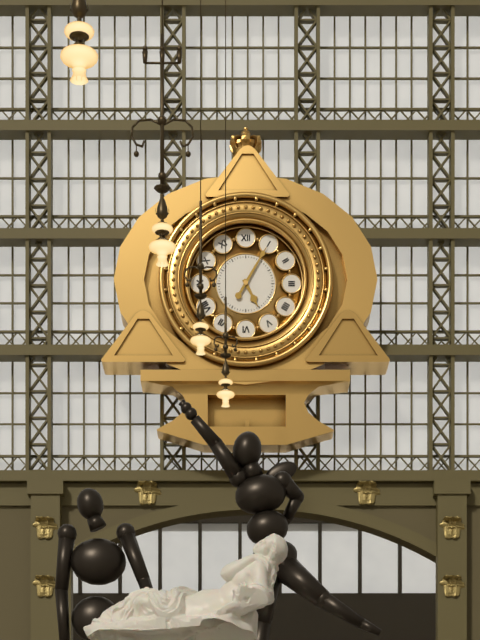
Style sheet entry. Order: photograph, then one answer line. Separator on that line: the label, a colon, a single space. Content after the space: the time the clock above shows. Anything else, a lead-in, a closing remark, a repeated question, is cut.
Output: 5:05
